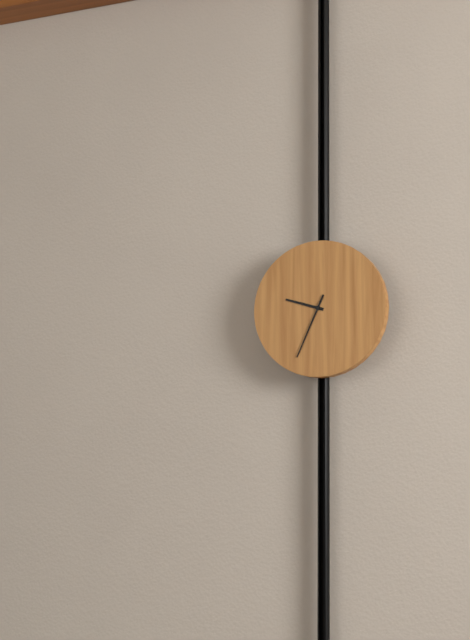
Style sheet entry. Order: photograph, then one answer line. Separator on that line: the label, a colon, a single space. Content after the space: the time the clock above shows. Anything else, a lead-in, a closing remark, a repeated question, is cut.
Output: 9:34
